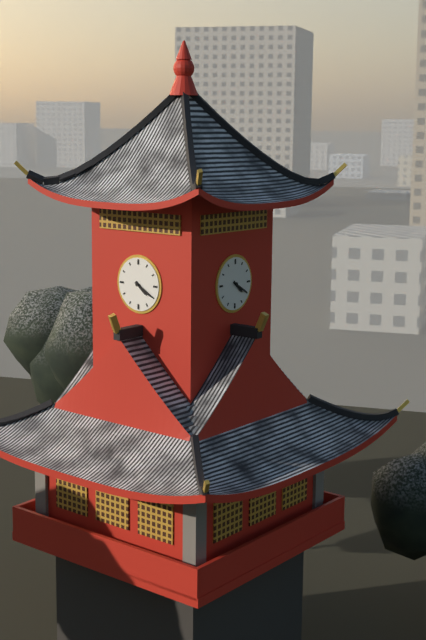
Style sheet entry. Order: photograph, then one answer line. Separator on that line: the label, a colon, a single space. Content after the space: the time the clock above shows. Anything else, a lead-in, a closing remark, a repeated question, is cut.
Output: 4:20
